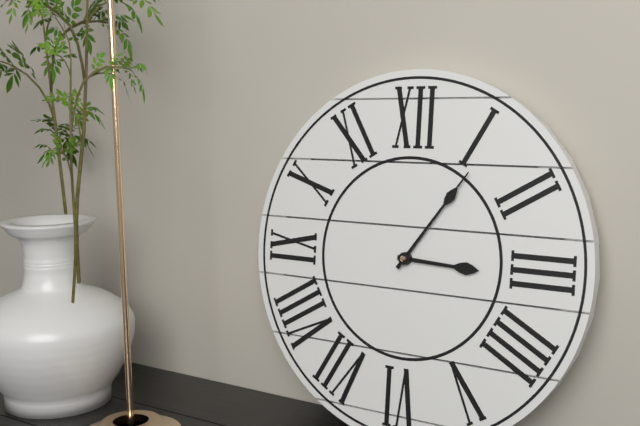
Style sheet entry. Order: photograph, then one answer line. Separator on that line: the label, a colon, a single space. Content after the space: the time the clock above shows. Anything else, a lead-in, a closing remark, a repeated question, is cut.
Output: 3:06
